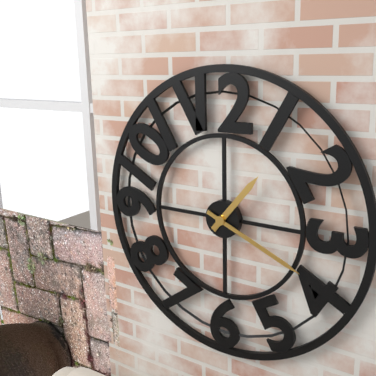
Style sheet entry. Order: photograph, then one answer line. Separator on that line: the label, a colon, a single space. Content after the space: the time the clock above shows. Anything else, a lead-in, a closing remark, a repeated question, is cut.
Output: 1:19
